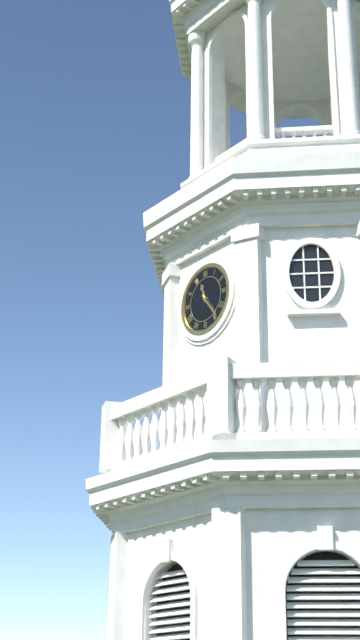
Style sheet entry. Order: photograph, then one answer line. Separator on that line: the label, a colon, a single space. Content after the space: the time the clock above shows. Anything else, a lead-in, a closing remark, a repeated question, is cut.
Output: 11:24
